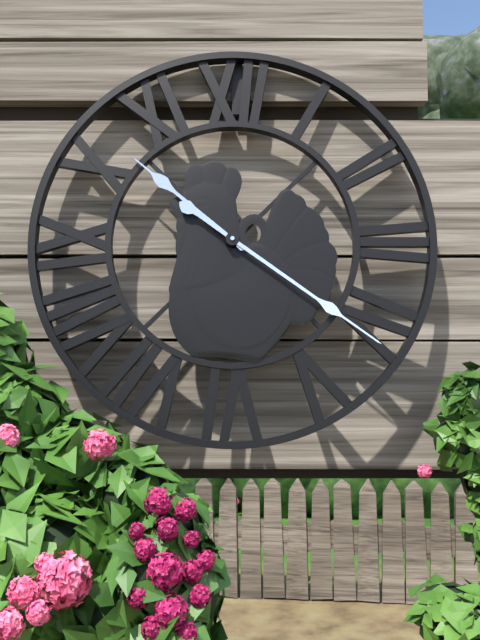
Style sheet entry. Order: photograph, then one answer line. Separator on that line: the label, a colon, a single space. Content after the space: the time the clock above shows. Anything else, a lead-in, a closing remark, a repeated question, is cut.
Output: 10:21
